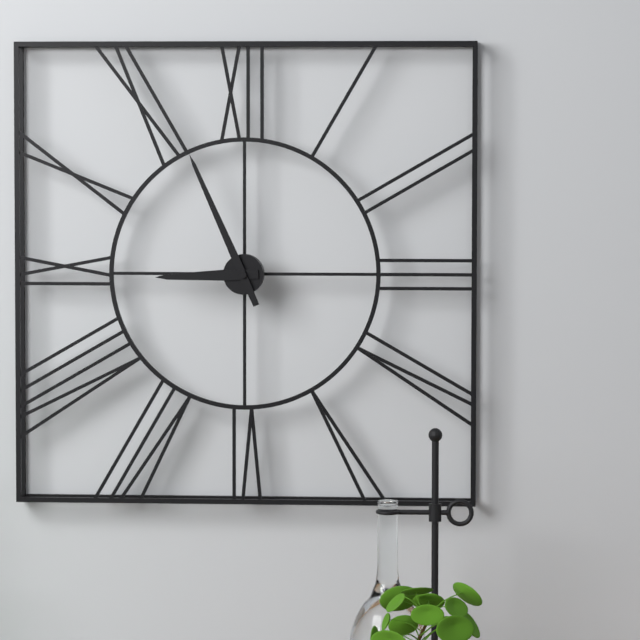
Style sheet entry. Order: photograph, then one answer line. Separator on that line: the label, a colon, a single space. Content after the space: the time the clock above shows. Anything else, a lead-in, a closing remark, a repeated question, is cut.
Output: 8:56
